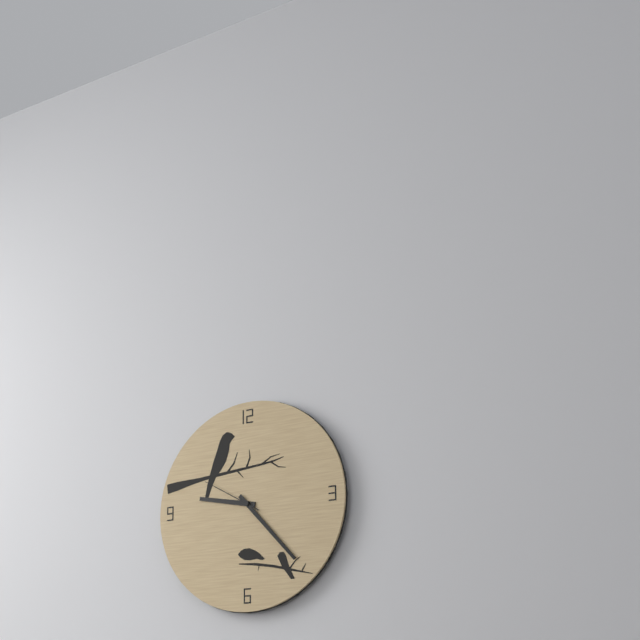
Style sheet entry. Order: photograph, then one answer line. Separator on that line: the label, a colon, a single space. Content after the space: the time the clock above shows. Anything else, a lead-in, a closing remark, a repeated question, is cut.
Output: 9:23:50
